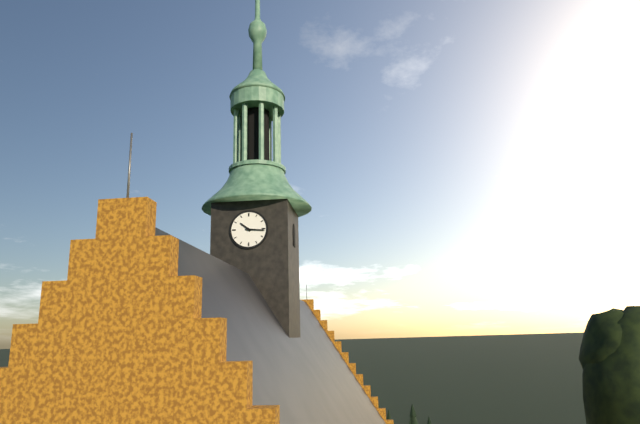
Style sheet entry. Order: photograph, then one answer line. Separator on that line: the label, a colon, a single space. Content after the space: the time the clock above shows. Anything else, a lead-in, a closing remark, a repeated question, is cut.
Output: 10:16
